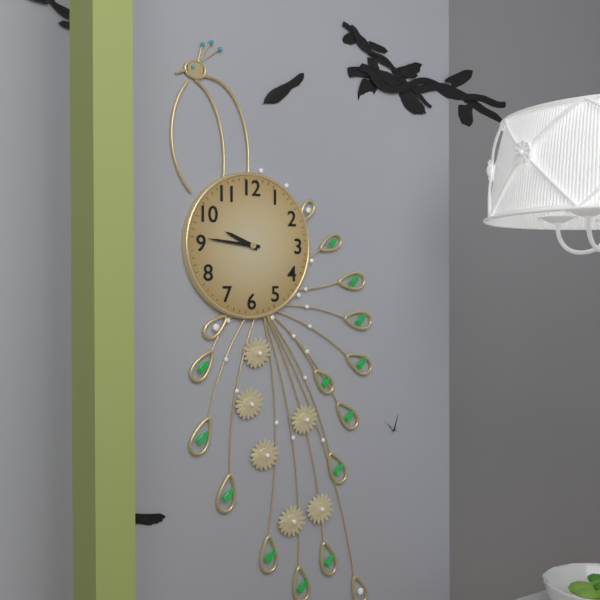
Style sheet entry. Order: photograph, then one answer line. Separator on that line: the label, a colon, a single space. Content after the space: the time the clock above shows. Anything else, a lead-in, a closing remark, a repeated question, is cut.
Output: 9:46
